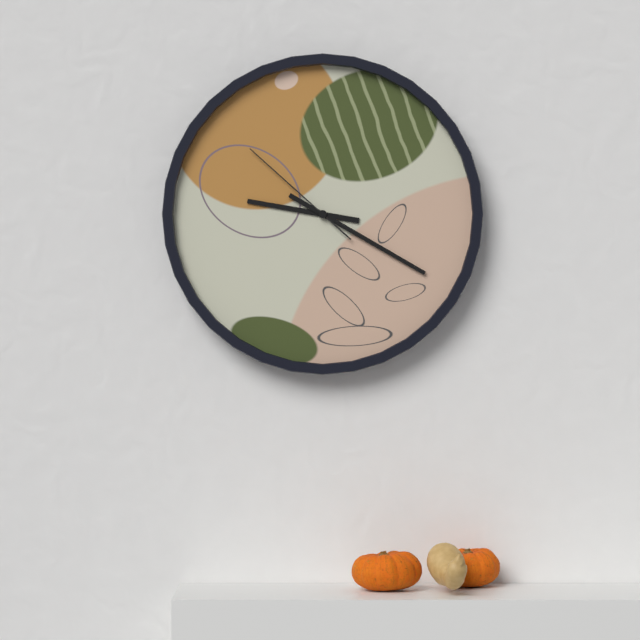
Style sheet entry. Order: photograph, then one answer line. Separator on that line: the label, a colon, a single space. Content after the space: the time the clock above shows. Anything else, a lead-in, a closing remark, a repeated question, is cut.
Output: 9:20:52
